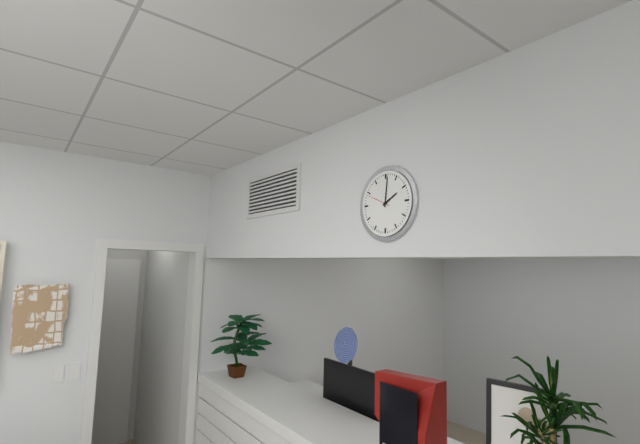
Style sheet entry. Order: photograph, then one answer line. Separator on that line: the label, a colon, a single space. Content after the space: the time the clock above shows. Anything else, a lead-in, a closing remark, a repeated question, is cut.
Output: 2:01
